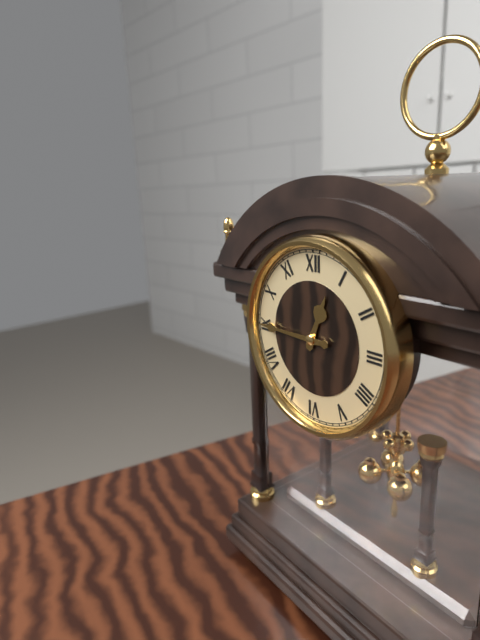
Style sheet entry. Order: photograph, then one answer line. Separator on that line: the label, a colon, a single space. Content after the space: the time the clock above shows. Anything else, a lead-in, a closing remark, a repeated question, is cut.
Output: 12:45
